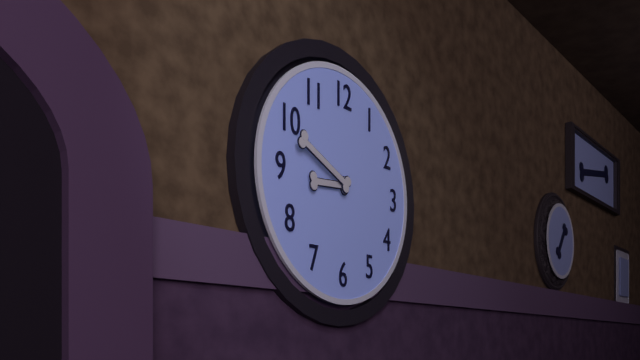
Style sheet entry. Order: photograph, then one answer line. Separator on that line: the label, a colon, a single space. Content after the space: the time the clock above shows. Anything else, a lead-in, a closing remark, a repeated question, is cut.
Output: 8:49
